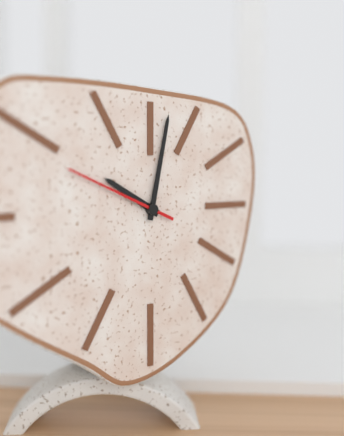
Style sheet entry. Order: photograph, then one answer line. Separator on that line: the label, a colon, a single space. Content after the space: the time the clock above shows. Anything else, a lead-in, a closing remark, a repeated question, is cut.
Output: 10:02:49
